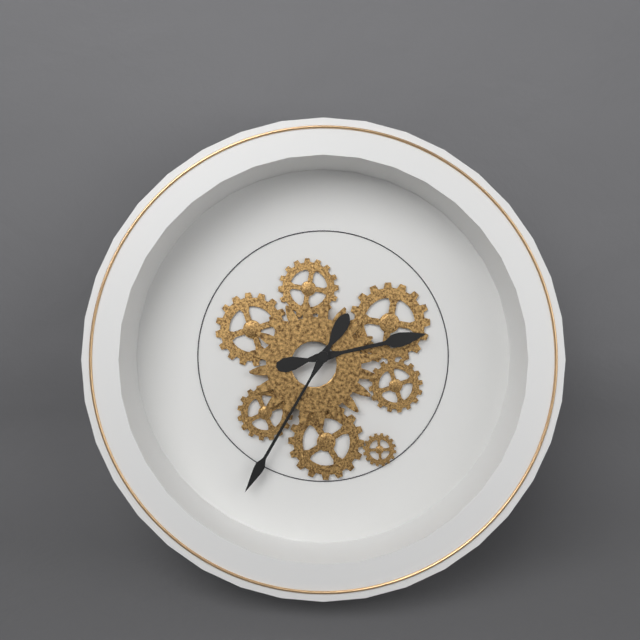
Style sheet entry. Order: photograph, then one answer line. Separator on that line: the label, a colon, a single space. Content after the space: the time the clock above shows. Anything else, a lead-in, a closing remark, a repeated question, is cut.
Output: 2:35
